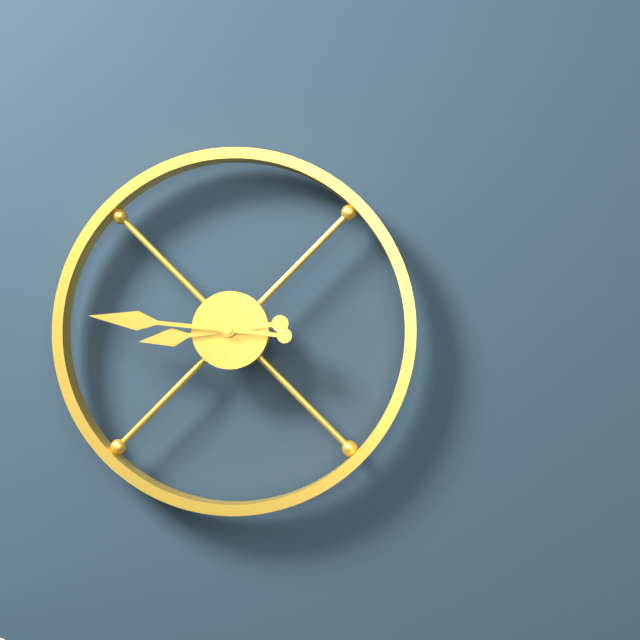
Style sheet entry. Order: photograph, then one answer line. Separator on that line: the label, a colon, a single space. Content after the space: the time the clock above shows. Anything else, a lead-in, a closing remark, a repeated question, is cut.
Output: 8:46
